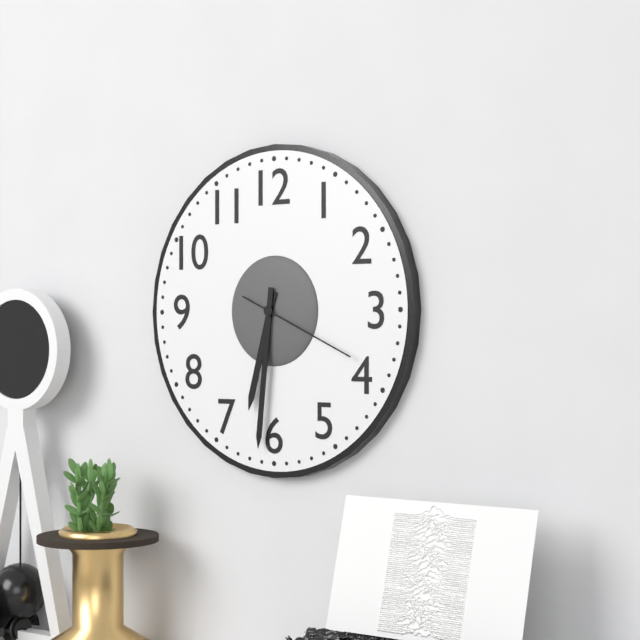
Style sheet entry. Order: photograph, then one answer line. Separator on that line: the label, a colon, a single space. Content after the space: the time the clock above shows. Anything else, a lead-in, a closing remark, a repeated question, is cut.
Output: 6:31:19
